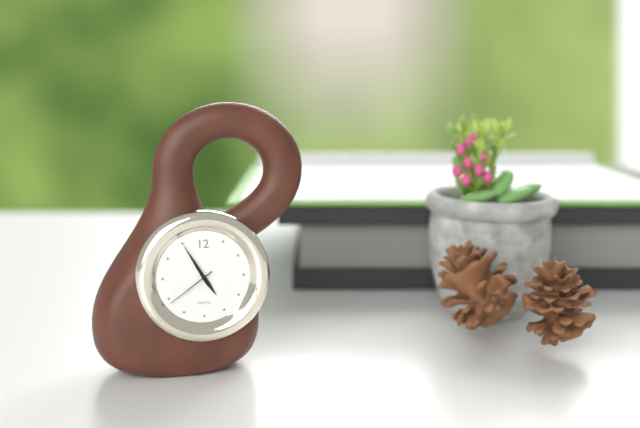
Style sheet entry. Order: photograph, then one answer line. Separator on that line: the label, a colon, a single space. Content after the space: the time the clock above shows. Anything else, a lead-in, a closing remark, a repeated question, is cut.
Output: 4:55:39
